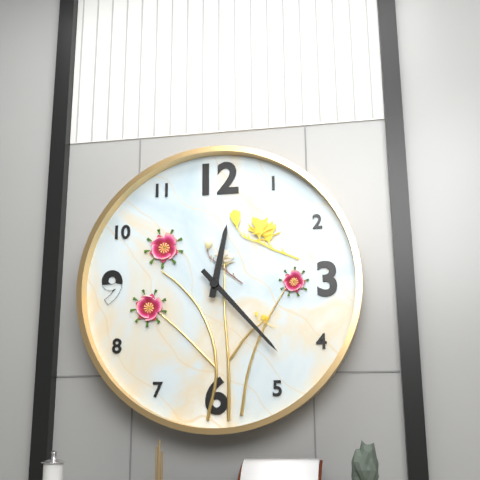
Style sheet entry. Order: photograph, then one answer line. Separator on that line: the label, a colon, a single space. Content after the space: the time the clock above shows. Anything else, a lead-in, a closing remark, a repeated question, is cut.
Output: 12:23
